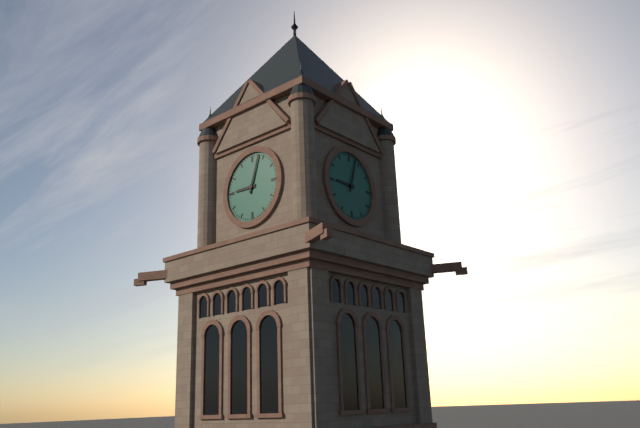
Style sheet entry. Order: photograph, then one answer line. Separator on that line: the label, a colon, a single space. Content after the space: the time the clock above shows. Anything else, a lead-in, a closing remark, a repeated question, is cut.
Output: 9:03
